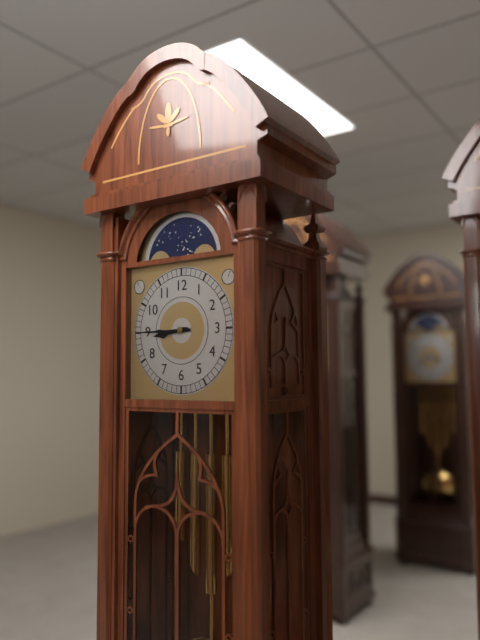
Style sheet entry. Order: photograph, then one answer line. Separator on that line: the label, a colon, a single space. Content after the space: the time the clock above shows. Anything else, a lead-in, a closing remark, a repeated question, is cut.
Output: 8:45
